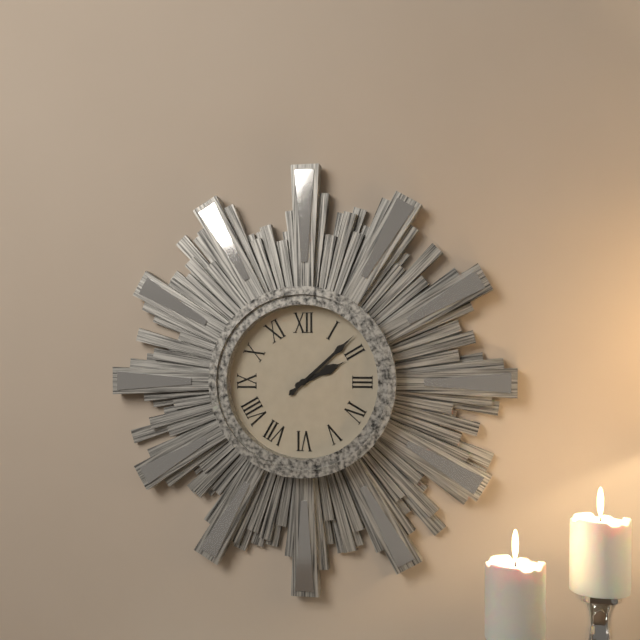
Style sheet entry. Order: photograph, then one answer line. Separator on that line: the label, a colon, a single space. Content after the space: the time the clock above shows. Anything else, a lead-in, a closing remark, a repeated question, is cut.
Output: 2:08
